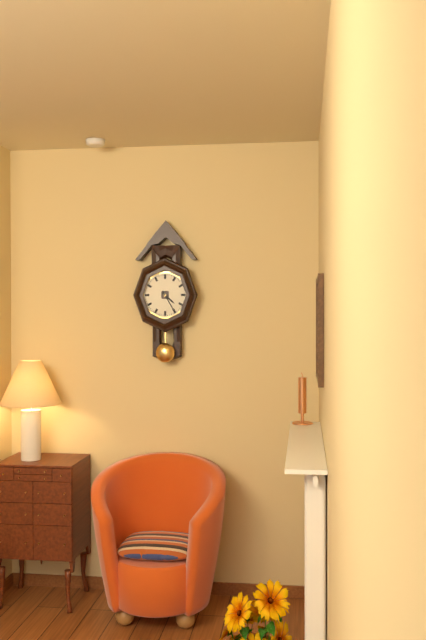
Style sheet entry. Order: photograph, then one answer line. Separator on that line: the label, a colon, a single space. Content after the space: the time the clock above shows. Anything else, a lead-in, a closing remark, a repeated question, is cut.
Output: 4:25
